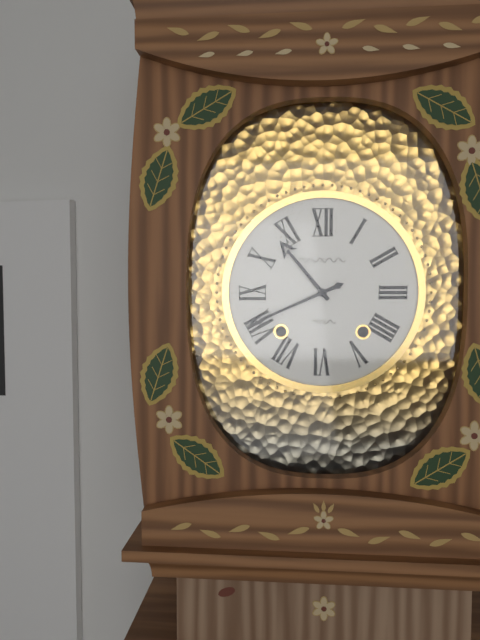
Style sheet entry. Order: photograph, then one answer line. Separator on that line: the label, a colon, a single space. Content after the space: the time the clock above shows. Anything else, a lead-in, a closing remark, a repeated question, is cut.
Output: 10:41
